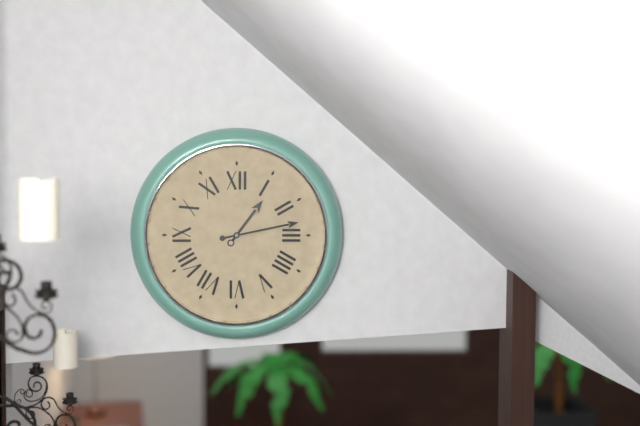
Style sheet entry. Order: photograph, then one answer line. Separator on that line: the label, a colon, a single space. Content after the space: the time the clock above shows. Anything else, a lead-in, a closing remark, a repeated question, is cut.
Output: 1:13
